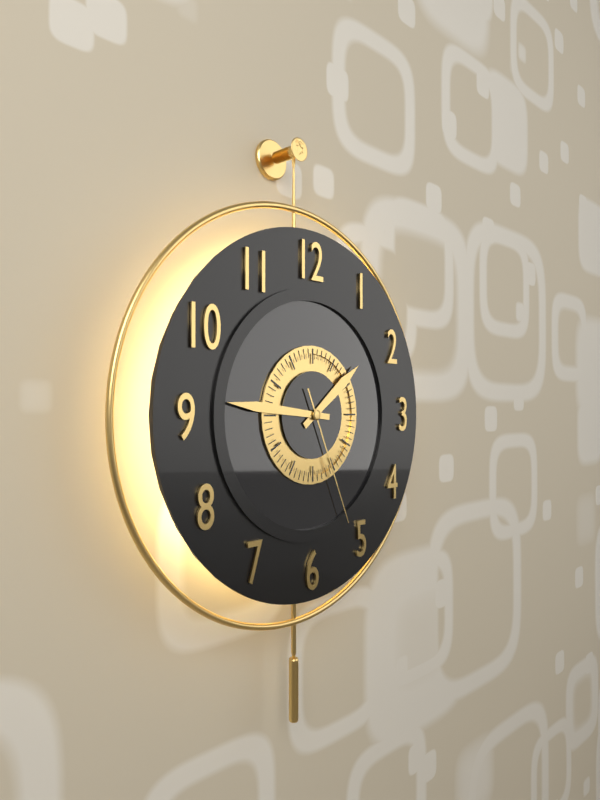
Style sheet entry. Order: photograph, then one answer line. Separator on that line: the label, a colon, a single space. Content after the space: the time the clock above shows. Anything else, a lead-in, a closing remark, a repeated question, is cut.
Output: 1:46:26
